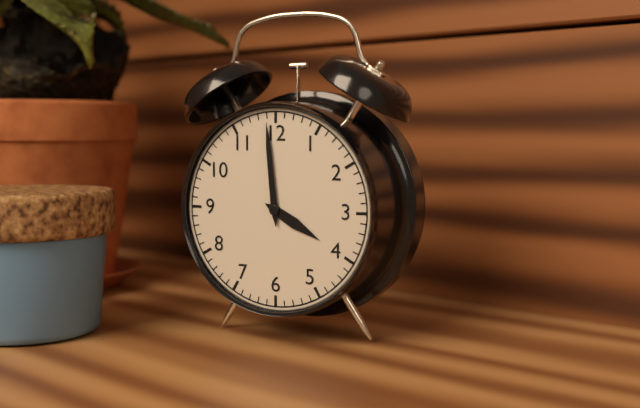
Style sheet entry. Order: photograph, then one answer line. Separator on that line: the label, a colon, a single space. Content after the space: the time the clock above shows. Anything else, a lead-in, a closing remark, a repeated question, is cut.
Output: 3:59
